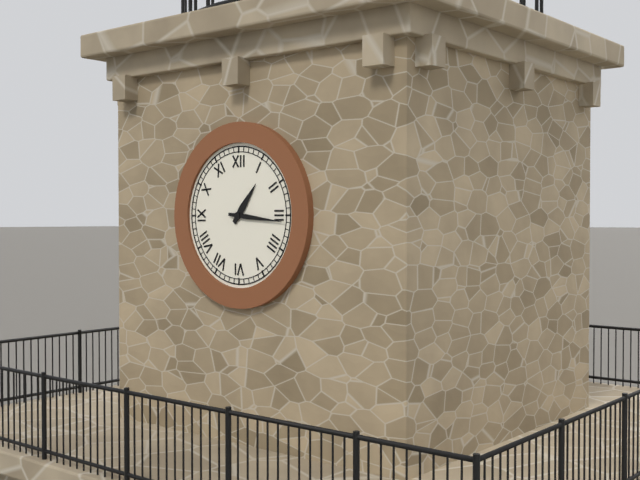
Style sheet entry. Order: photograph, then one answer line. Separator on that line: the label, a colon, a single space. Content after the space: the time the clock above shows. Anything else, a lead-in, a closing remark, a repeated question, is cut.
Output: 1:16
